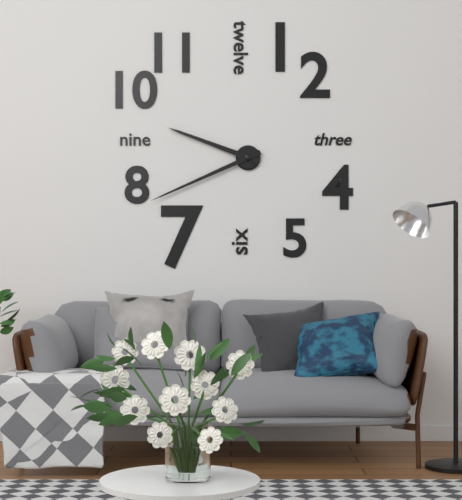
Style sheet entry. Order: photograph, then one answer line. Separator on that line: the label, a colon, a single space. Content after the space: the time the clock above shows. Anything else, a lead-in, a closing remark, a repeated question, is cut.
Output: 9:41
